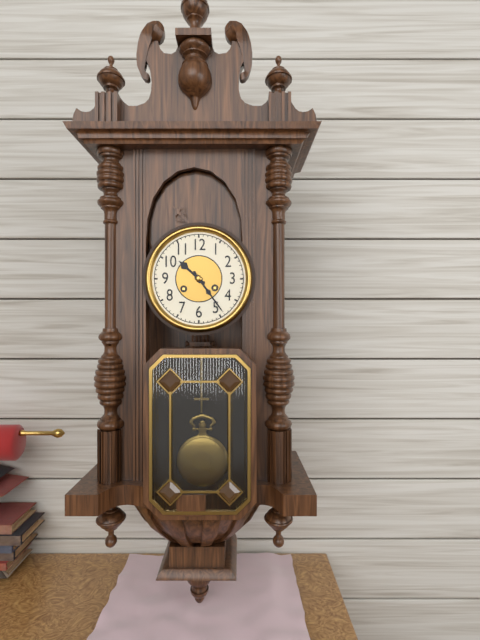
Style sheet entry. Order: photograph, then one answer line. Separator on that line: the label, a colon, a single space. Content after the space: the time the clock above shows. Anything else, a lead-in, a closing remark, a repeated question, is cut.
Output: 10:24
